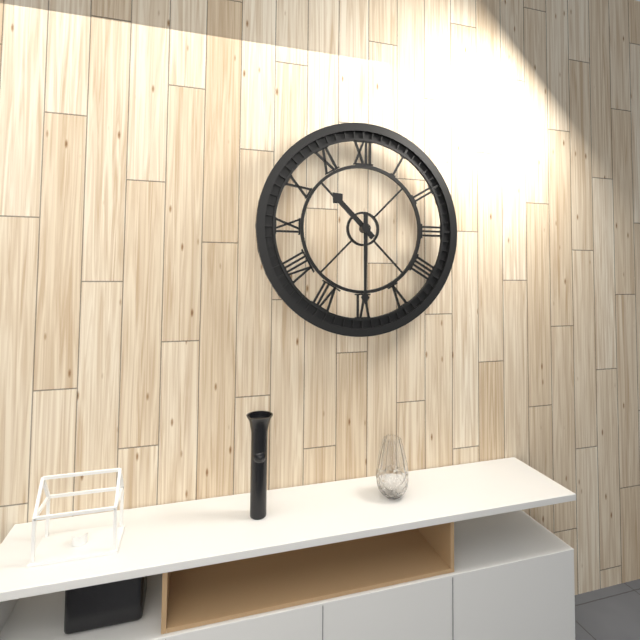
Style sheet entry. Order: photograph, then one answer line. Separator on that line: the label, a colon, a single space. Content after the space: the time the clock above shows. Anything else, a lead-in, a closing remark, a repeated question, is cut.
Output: 10:30
